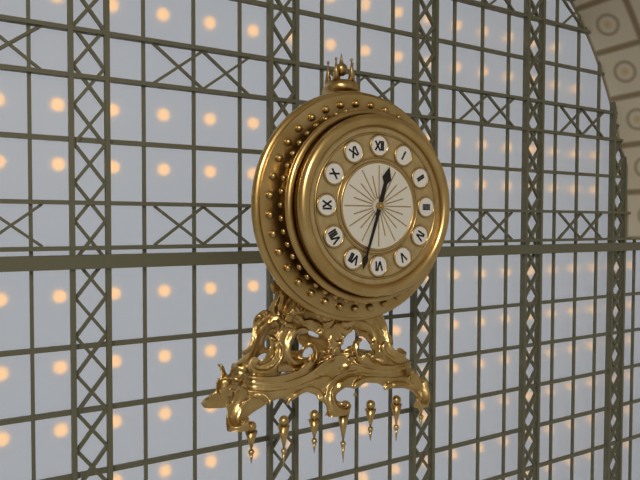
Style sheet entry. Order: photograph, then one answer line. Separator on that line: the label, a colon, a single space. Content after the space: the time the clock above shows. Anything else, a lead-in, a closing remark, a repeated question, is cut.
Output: 12:33
